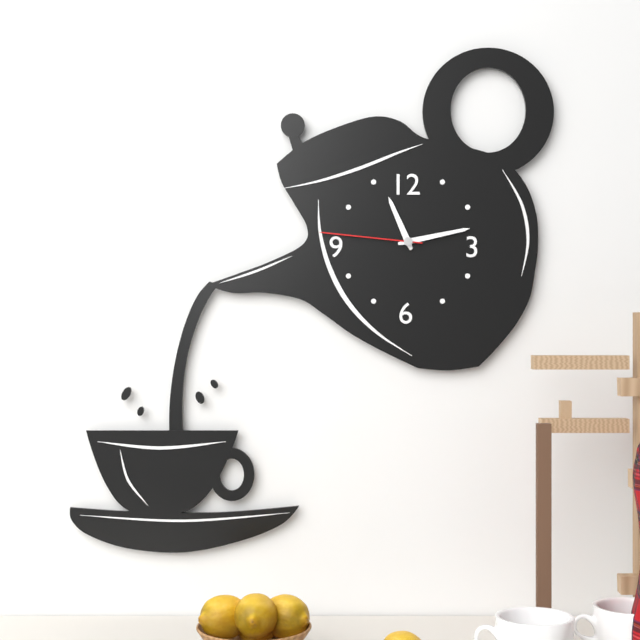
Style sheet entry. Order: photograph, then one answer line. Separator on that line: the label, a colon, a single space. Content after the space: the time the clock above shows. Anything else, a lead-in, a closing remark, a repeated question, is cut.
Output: 11:13:46
